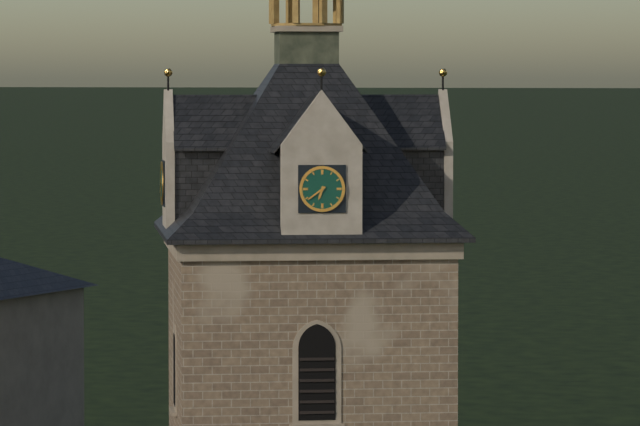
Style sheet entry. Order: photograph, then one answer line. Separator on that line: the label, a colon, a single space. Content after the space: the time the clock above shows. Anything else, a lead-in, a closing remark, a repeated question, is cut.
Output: 6:39
